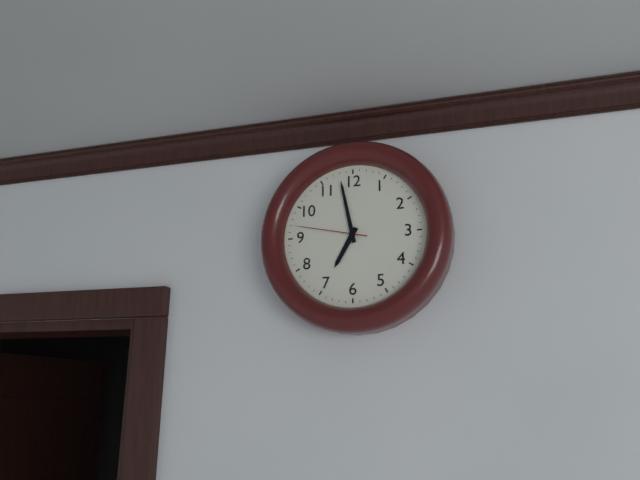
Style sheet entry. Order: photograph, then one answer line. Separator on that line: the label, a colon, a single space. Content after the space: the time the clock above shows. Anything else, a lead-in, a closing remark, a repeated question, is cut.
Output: 6:58:47
